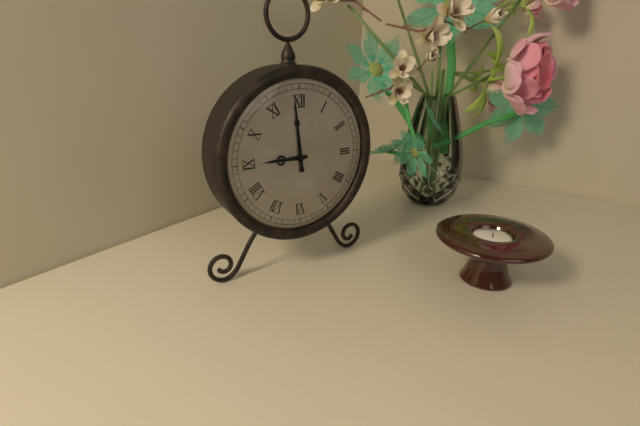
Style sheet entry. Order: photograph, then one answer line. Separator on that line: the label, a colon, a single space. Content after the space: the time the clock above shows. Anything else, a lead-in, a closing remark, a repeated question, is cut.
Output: 8:59
